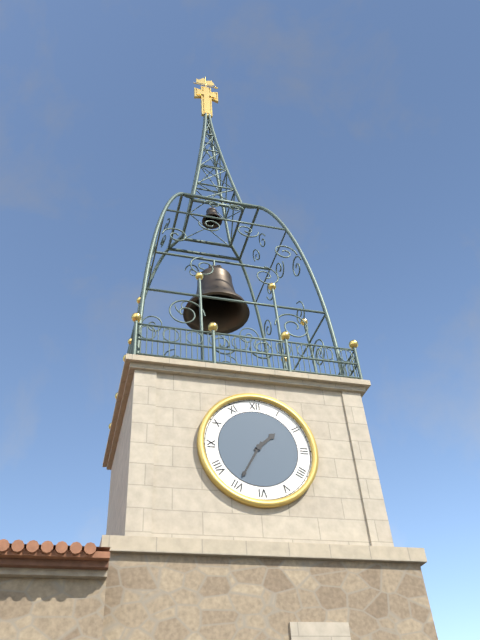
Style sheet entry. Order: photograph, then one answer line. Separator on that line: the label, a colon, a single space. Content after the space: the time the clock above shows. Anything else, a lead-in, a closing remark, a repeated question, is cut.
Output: 1:35
